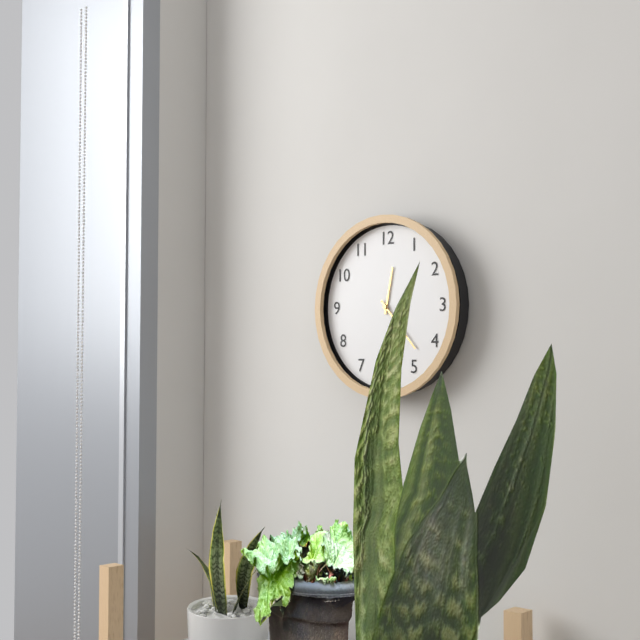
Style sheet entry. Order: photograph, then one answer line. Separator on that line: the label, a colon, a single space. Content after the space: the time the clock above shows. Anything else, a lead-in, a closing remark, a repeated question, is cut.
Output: 12:23
